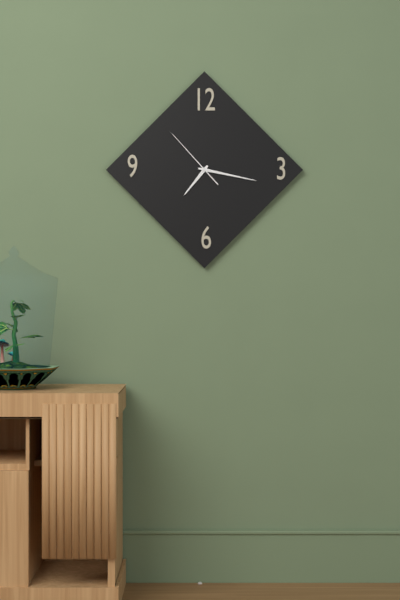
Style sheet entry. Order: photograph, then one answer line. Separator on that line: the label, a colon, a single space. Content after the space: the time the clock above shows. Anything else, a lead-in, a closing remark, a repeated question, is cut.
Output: 7:17:53
